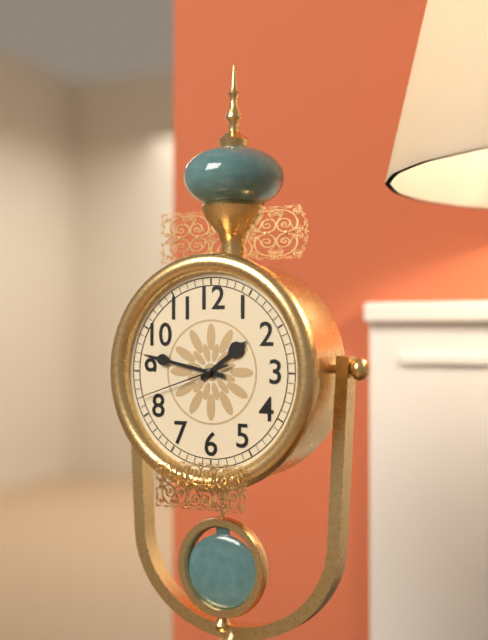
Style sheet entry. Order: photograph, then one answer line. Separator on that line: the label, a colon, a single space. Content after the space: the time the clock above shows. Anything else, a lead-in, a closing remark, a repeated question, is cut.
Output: 1:47:42
